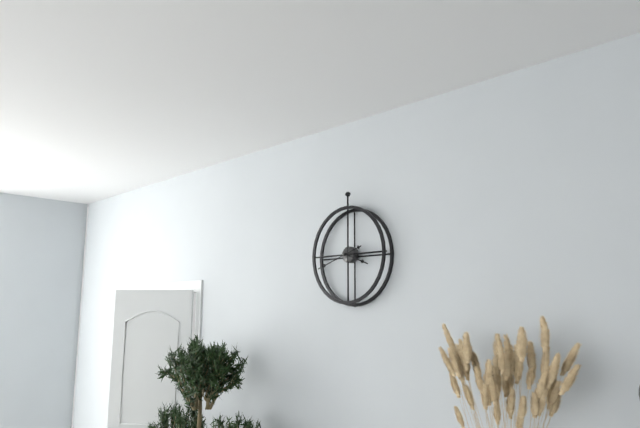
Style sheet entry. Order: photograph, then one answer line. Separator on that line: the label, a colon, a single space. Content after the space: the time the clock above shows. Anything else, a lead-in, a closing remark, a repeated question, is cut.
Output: 3:42
